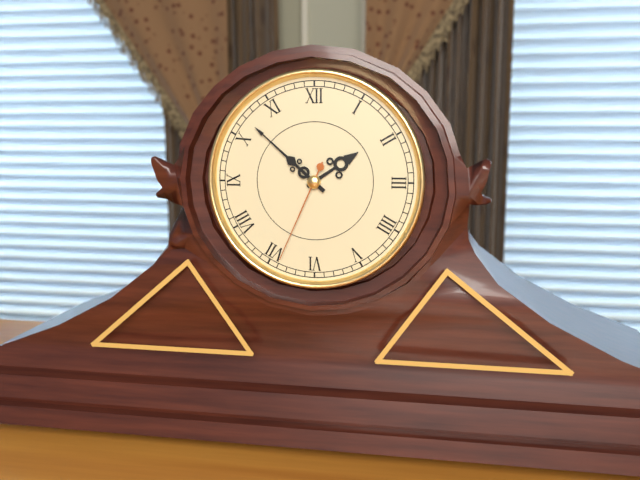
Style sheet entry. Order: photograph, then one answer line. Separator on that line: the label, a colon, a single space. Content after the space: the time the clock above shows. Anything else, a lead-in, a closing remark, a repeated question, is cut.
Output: 1:52:34
